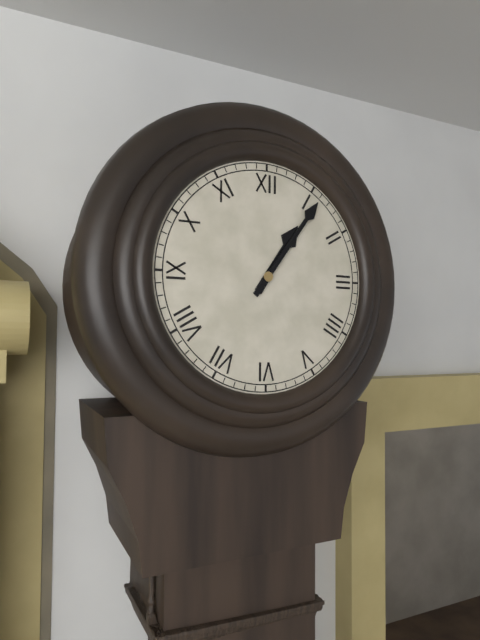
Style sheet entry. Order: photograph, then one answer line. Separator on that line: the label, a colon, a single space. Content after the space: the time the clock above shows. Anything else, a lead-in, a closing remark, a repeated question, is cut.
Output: 1:06
